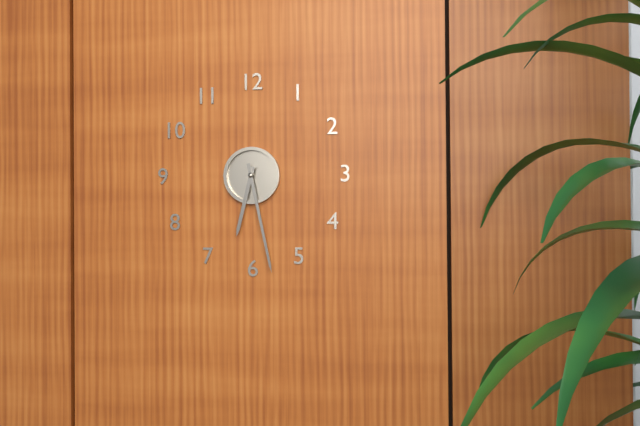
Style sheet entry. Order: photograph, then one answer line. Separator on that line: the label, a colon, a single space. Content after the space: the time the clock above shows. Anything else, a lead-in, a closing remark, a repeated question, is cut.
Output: 6:28
